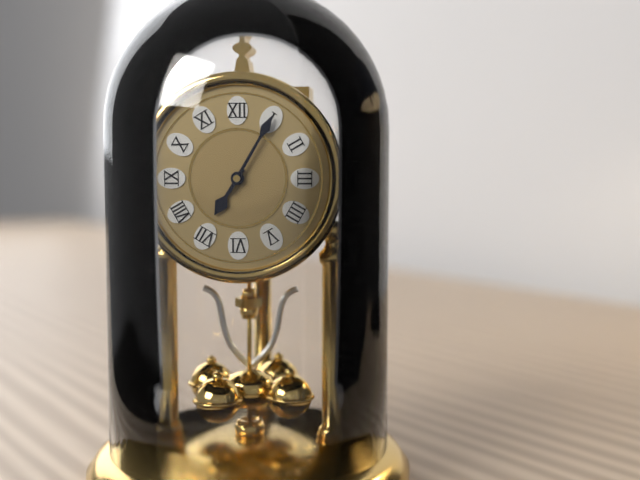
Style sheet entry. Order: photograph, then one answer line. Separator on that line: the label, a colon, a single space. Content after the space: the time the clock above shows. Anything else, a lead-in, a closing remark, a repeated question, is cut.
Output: 7:05
